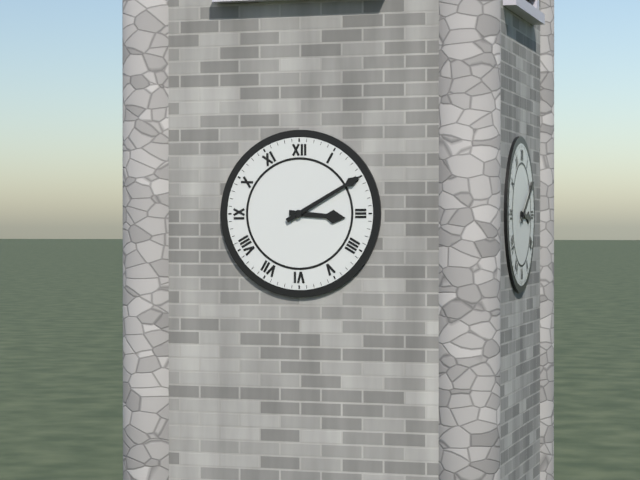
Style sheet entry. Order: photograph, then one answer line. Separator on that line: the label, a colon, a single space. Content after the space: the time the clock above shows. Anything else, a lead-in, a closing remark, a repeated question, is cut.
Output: 3:10
